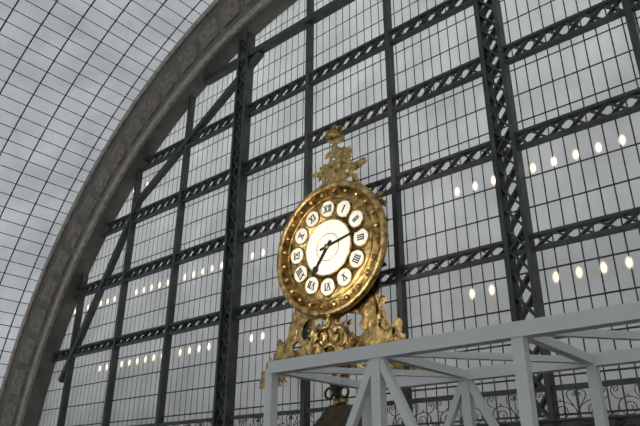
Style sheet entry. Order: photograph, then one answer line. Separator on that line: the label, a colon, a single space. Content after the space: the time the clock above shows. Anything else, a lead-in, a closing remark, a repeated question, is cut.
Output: 7:13
